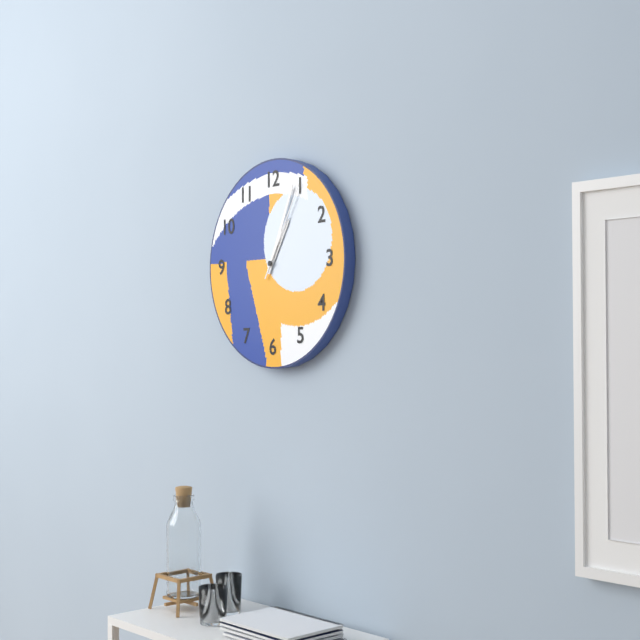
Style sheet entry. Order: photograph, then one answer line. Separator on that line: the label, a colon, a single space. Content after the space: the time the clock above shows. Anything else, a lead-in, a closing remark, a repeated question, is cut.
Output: 1:04:05
